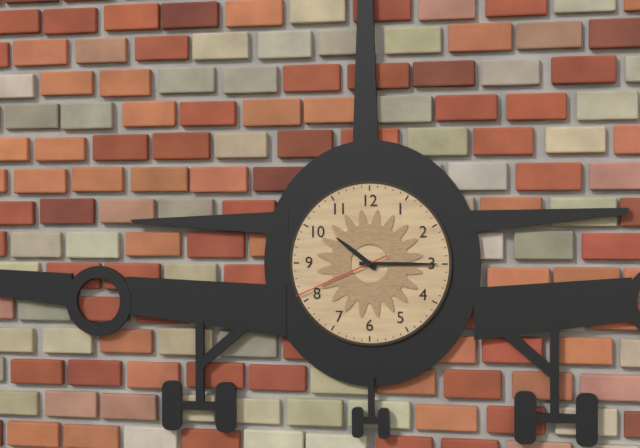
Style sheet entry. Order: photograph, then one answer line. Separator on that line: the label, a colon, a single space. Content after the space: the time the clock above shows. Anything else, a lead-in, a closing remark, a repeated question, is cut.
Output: 10:15:41
